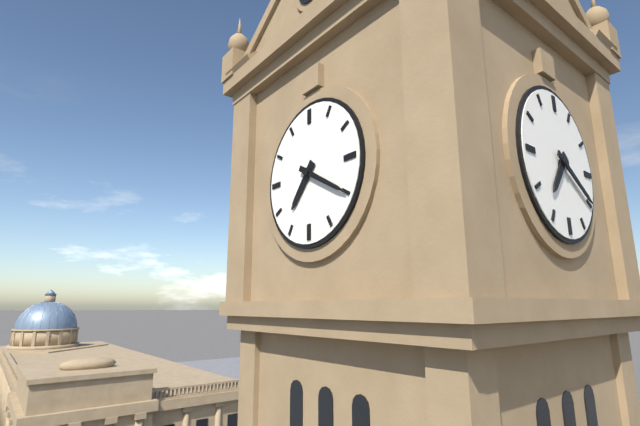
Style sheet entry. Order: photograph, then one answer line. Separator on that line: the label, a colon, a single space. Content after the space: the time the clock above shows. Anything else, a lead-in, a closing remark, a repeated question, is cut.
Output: 7:20
